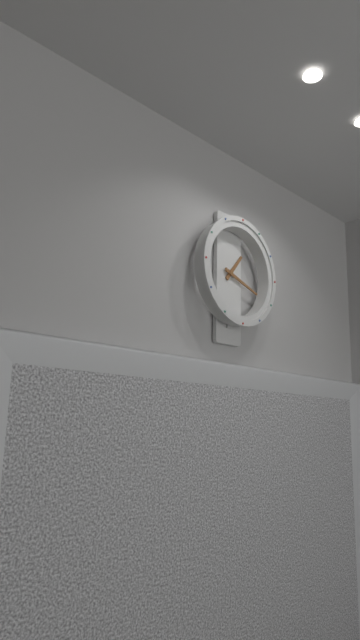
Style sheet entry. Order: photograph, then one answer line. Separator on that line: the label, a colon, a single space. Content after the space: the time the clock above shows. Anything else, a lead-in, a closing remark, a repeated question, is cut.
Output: 1:18
